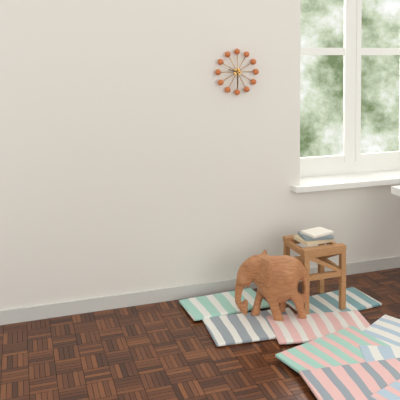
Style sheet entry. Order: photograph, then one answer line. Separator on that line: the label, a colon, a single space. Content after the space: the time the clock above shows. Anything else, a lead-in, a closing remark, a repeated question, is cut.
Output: 9:30
